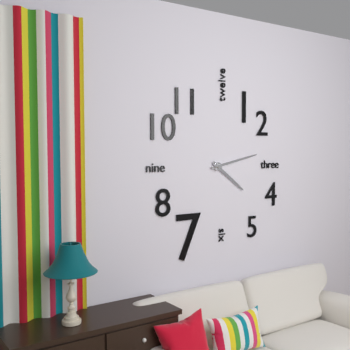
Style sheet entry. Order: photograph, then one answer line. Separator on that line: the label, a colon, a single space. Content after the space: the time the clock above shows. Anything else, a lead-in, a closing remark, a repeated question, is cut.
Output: 4:13
